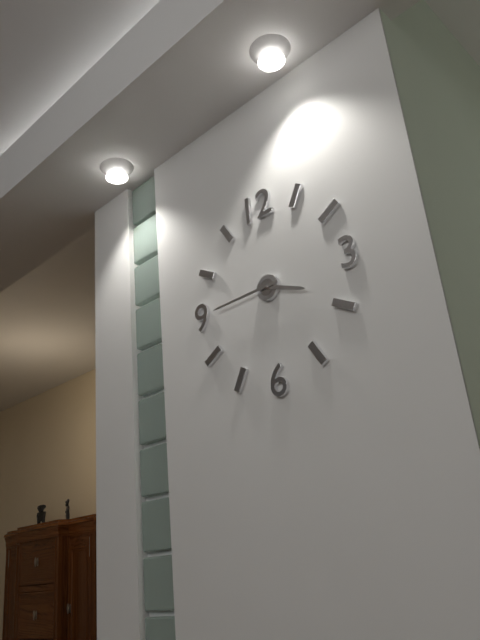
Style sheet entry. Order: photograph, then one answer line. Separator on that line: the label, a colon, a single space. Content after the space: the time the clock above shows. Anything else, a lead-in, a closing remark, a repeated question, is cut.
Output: 3:45
